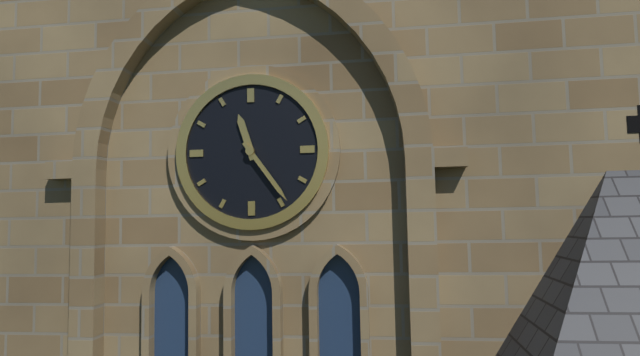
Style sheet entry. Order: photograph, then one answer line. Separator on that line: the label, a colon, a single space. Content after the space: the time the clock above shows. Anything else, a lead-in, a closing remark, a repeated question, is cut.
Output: 11:24
